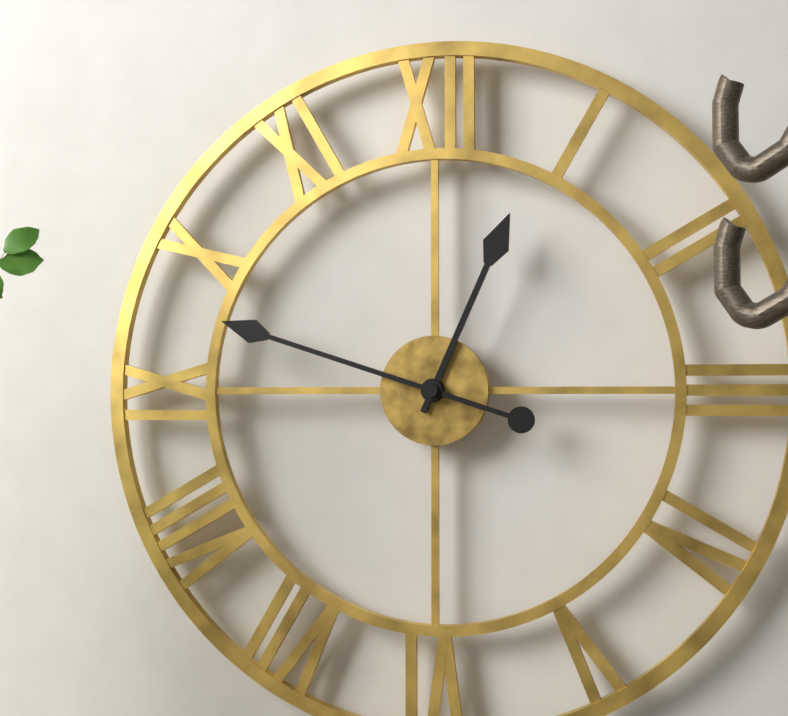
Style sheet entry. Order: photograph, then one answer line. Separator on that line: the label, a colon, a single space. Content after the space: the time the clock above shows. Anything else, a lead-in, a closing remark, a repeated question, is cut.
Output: 12:48
